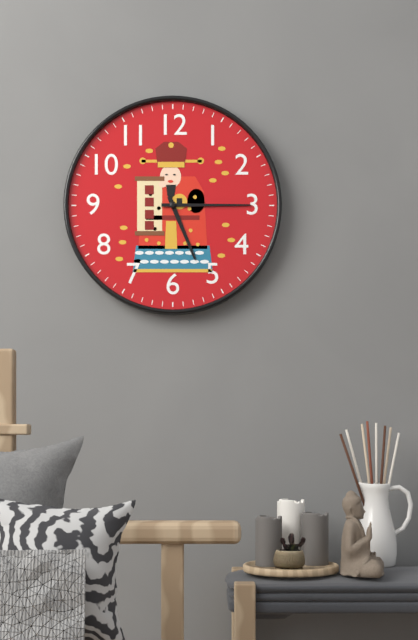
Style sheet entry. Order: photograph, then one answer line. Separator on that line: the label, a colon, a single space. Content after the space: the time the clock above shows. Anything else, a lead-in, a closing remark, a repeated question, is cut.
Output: 5:15
